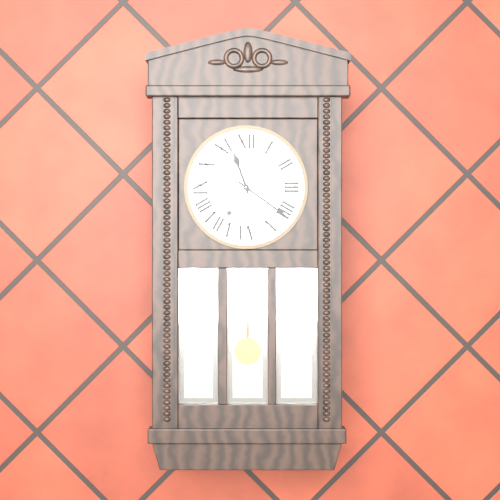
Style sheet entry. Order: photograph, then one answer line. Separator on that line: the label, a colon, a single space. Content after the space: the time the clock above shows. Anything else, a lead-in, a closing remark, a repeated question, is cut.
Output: 11:21
